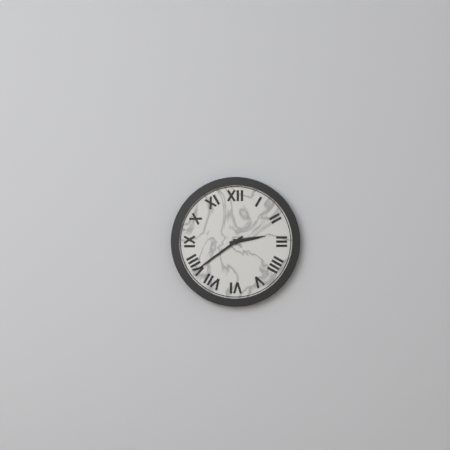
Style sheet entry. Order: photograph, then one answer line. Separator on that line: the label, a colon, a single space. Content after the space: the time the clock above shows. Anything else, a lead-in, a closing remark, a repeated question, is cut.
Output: 2:39
